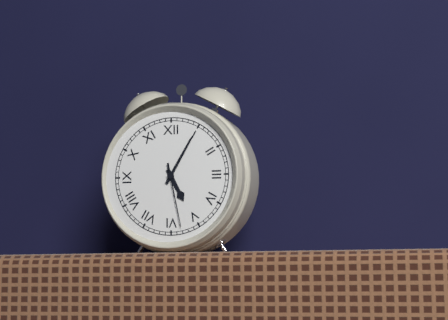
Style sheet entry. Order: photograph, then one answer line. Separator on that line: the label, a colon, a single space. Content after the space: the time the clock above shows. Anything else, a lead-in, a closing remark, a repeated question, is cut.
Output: 5:05:28
